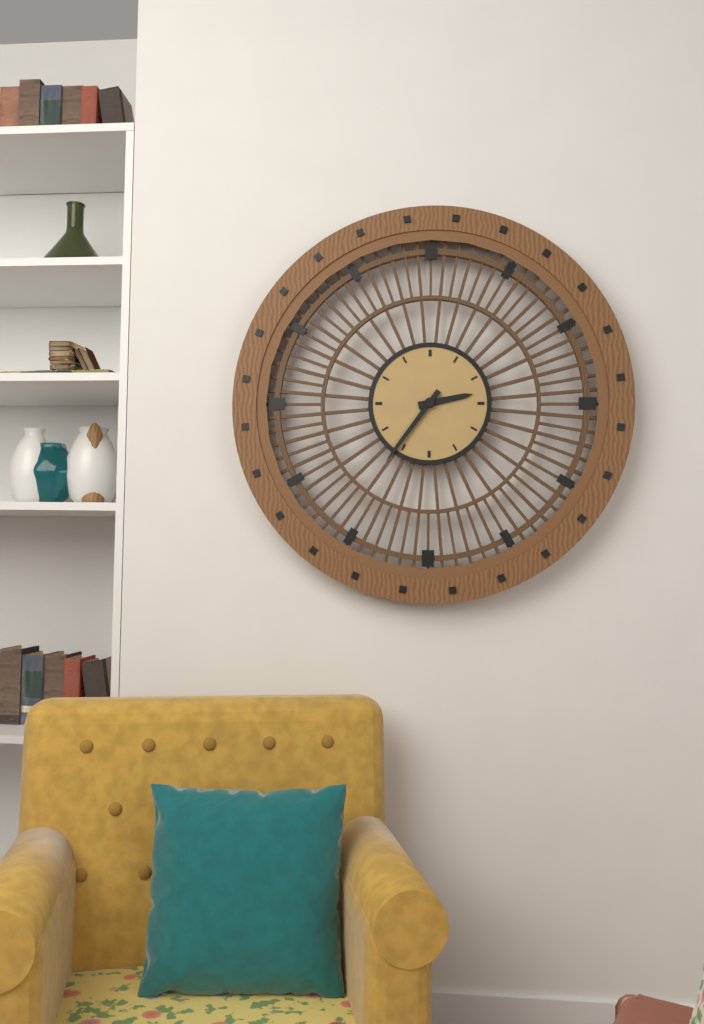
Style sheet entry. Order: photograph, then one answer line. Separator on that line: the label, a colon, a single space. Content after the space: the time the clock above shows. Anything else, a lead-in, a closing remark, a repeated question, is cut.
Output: 2:36
